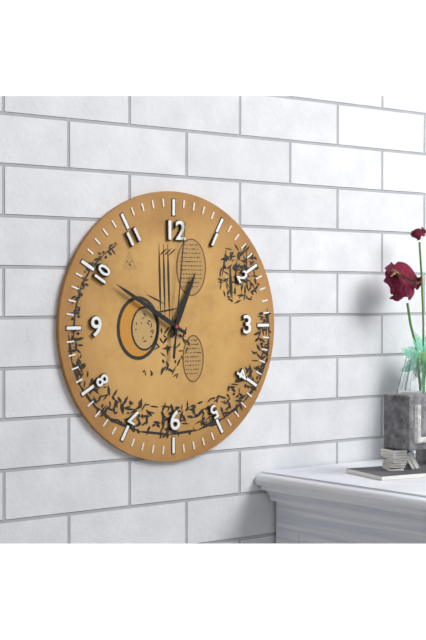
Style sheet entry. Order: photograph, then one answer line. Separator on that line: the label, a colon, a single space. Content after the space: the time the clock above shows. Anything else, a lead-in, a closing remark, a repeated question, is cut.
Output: 12:50:01
